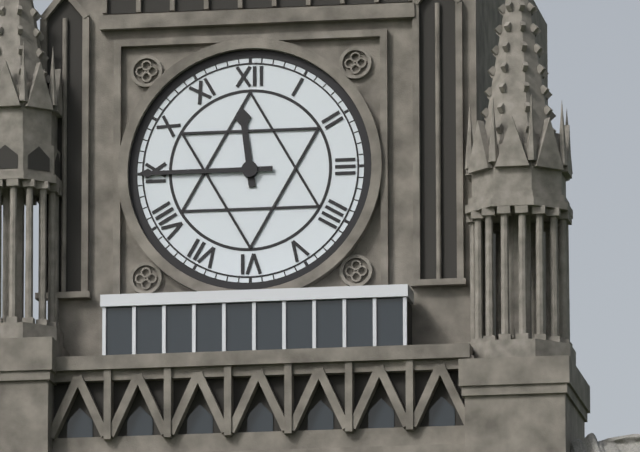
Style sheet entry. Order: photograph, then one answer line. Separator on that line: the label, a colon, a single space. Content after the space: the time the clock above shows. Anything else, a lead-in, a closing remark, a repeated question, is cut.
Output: 11:45
